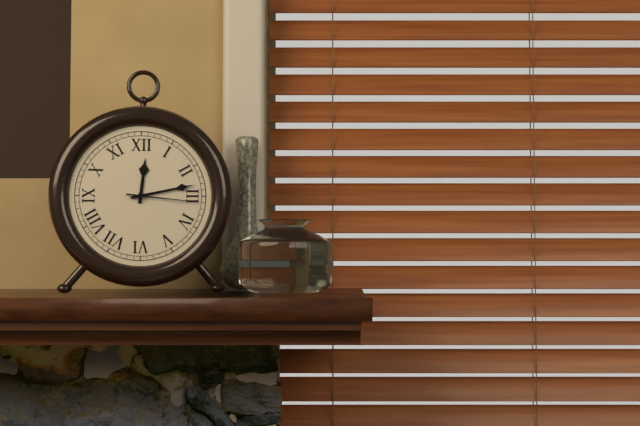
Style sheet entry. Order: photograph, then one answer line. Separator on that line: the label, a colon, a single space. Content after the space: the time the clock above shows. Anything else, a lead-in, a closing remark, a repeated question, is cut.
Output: 12:13:16
